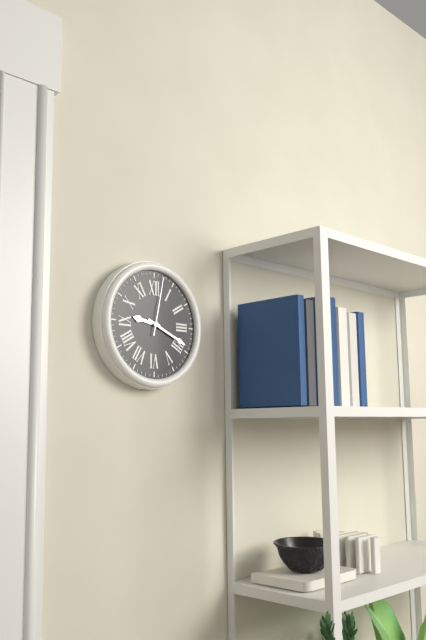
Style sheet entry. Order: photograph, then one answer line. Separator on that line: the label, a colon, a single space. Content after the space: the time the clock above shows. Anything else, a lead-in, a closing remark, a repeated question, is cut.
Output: 9:19:02
